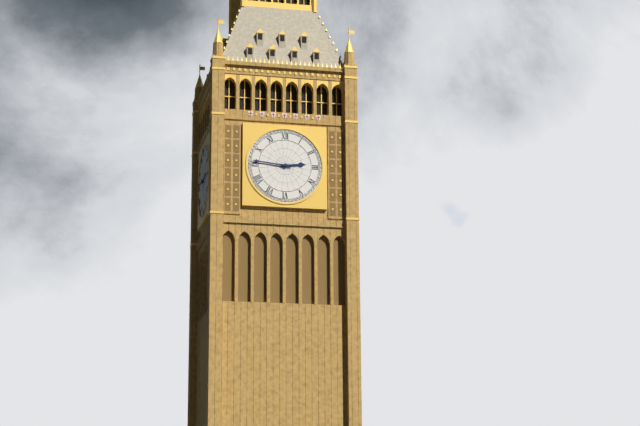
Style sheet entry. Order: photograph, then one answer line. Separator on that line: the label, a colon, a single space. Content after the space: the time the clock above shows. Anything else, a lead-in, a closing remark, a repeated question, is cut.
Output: 2:46
